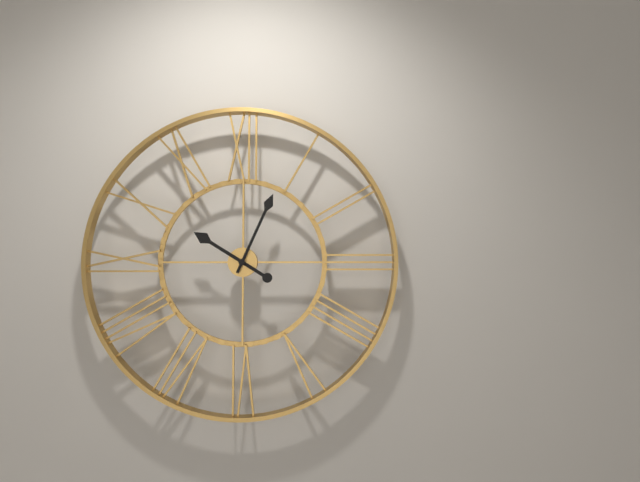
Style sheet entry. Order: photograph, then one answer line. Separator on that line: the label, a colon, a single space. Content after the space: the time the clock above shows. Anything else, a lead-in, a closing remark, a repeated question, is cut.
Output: 10:04
